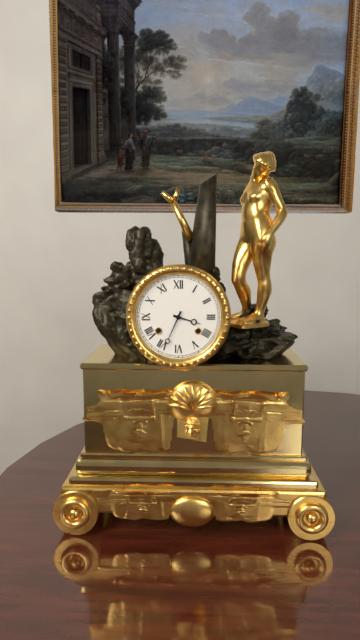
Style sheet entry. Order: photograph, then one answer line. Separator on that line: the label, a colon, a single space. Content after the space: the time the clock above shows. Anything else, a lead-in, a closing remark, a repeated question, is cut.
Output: 3:34
